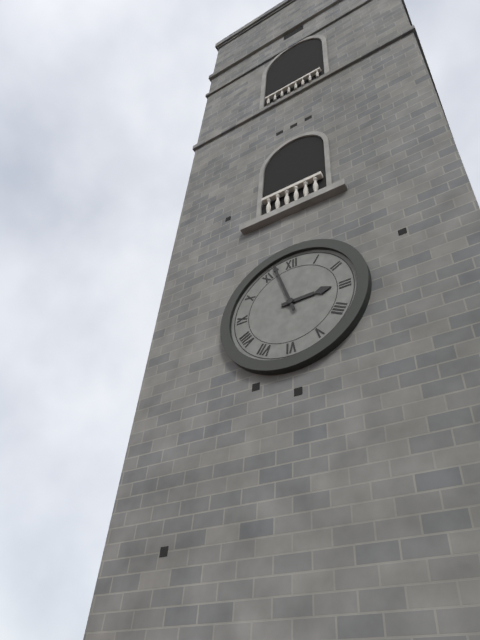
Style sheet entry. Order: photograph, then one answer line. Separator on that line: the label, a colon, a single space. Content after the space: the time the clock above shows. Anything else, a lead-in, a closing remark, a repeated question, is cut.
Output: 2:57
